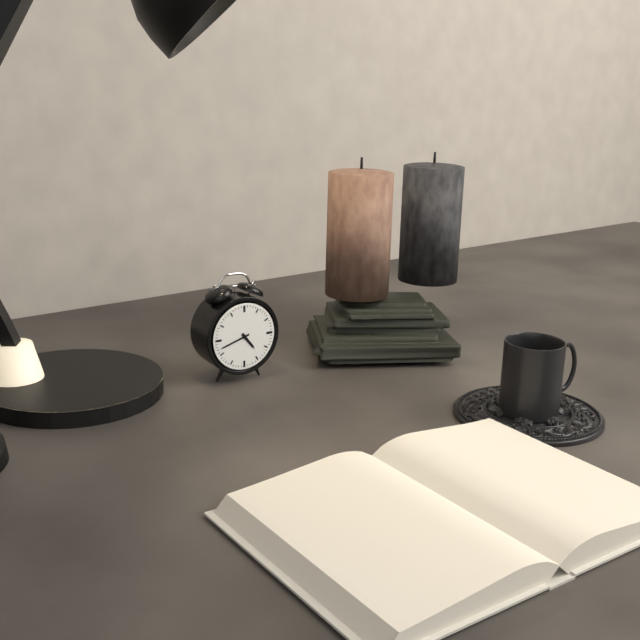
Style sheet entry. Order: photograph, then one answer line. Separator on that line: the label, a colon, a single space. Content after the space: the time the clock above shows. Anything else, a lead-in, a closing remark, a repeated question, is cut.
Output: 4:42
